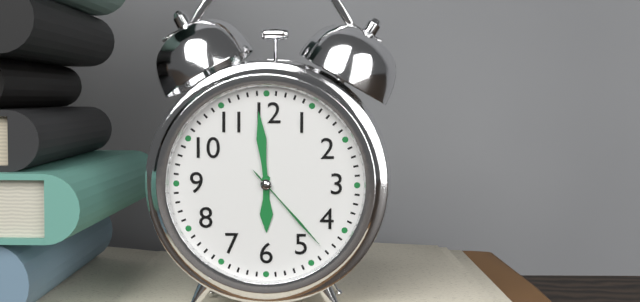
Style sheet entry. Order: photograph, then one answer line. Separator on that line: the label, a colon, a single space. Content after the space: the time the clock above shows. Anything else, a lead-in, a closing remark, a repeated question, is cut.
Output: 5:59:23
